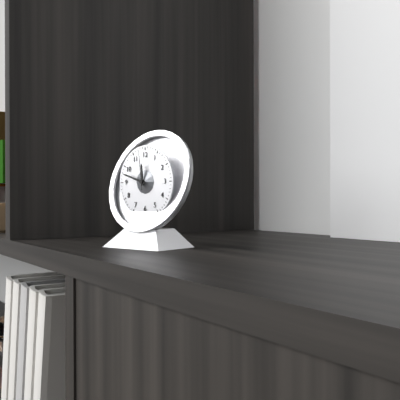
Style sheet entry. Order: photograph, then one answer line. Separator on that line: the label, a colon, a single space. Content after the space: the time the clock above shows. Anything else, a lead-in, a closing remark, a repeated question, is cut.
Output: 11:48
